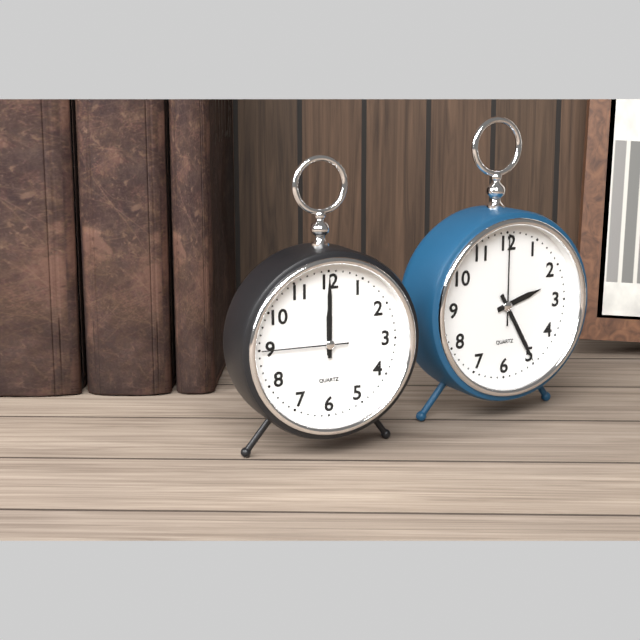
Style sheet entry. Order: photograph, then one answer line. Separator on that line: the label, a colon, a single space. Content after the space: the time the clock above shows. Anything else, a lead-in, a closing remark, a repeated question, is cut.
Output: 12:00:45
